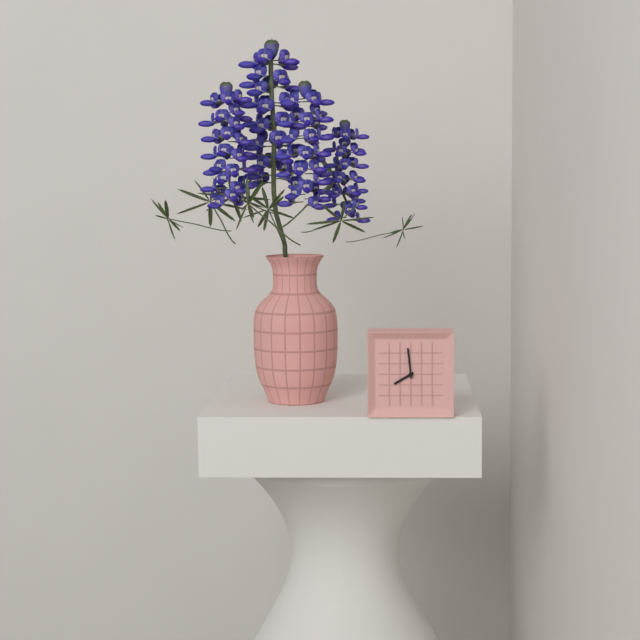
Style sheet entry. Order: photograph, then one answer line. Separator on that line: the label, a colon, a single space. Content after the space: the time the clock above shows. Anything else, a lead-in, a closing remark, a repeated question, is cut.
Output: 7:59
